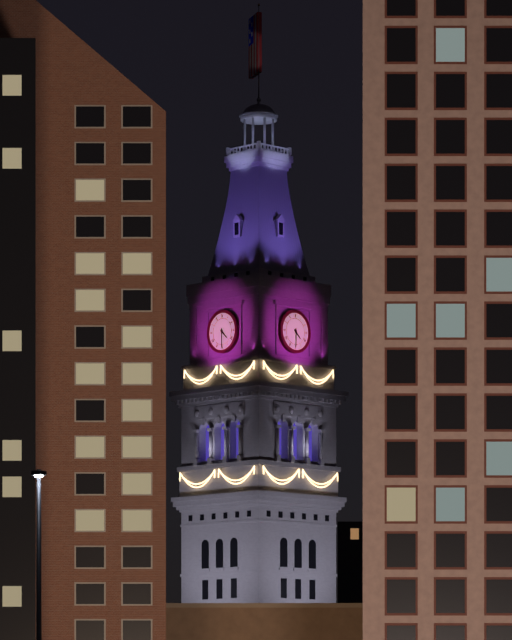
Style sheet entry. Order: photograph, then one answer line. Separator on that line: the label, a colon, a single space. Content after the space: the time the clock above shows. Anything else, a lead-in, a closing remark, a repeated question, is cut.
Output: 4:30
